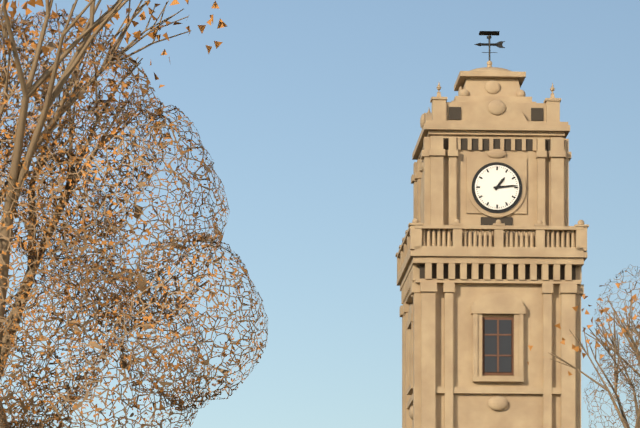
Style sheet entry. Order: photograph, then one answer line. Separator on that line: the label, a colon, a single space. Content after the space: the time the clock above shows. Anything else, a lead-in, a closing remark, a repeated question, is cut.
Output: 1:14
